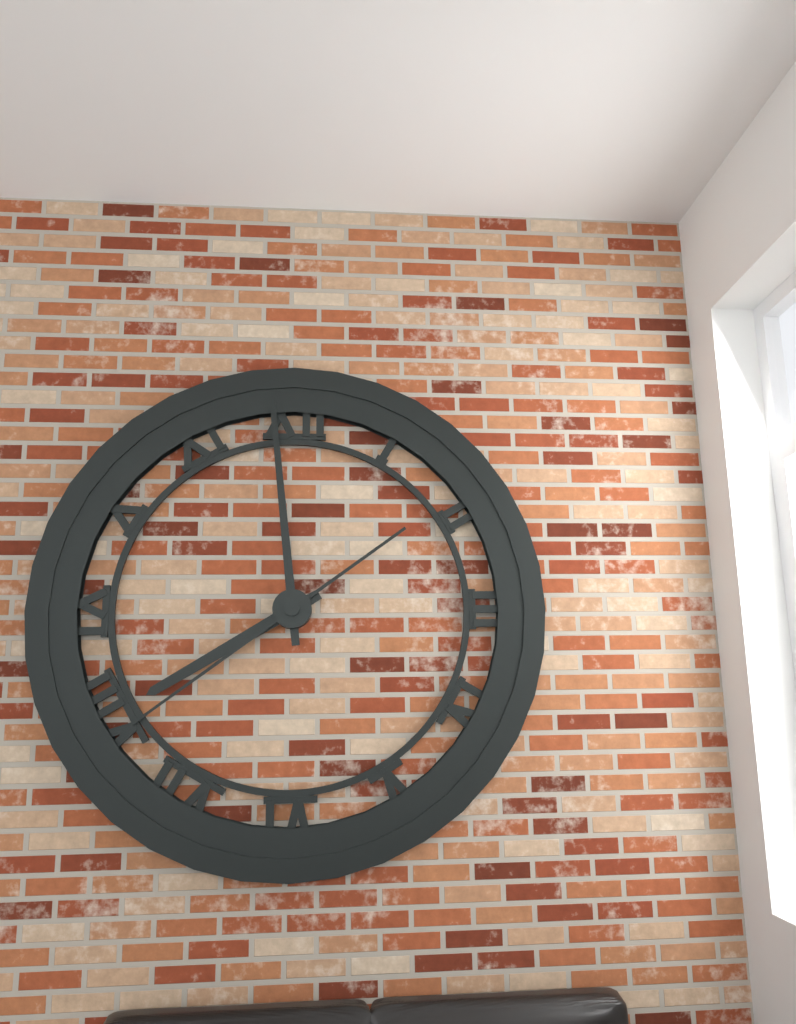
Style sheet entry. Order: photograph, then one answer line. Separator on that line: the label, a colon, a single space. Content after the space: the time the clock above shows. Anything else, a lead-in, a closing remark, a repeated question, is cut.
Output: 7:59:39
